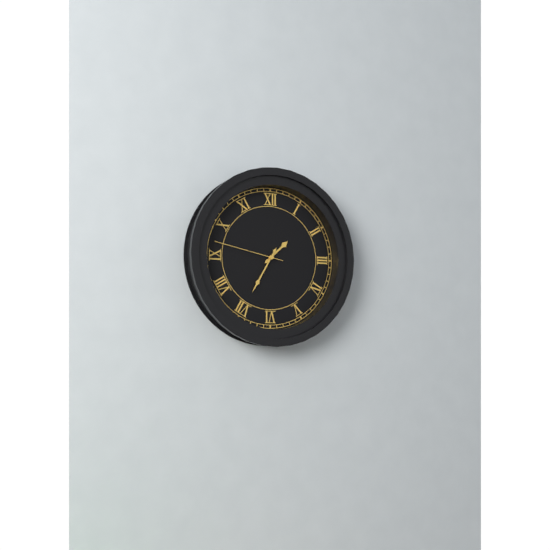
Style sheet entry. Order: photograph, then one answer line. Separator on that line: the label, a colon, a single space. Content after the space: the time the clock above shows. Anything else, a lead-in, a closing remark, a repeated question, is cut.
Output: 1:35:47
